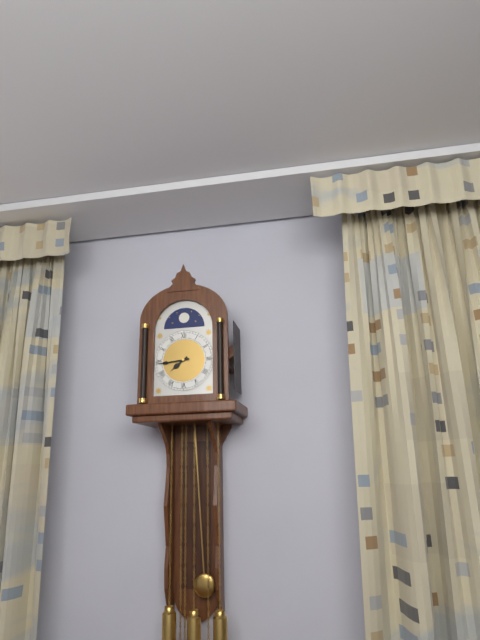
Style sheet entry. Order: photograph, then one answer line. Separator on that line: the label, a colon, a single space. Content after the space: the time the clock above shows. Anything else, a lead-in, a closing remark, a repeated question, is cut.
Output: 7:44
